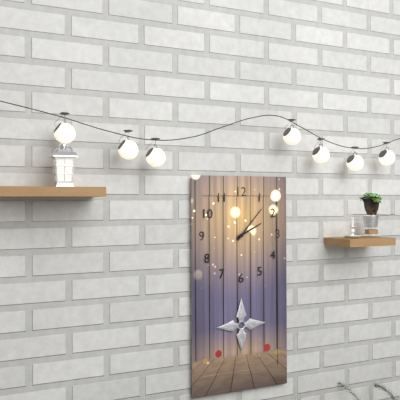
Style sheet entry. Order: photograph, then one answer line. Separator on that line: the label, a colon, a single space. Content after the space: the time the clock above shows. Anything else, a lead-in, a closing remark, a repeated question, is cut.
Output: 2:07
